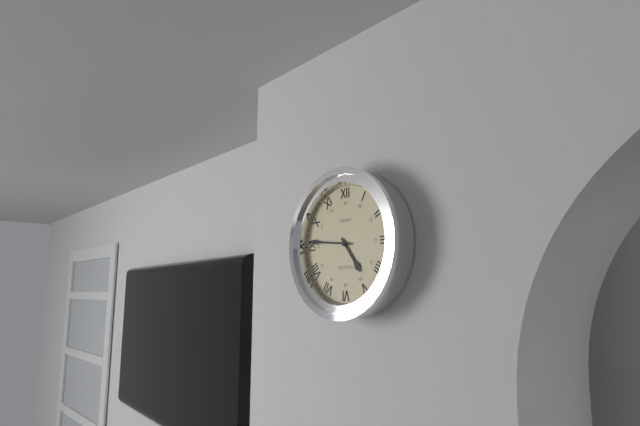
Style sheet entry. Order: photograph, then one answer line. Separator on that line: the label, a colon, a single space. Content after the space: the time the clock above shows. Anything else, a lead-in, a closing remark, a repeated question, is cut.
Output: 4:46
